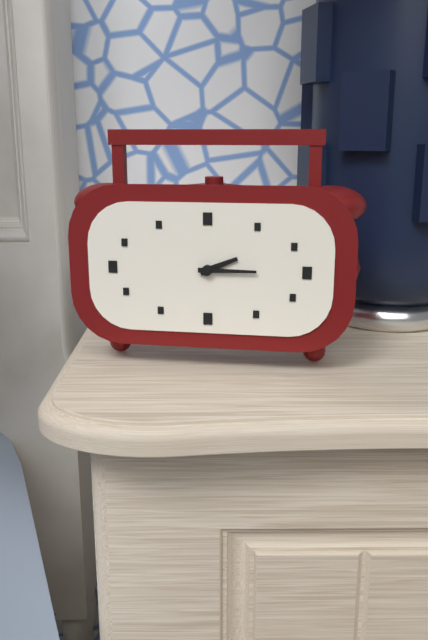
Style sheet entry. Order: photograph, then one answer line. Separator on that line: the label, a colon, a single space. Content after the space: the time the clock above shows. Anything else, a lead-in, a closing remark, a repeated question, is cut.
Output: 2:15
